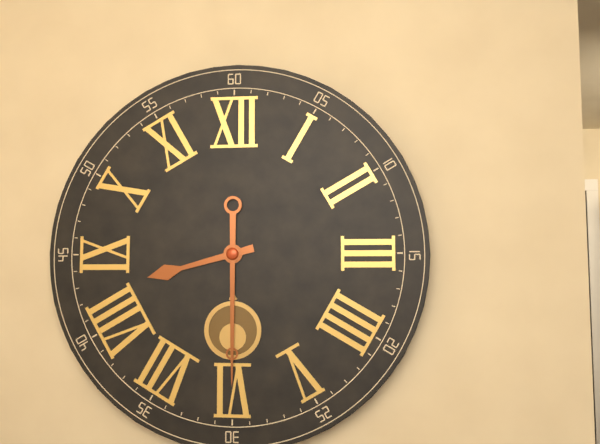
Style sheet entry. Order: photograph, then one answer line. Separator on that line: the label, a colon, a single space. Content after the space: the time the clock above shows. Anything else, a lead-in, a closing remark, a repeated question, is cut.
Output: 8:30
